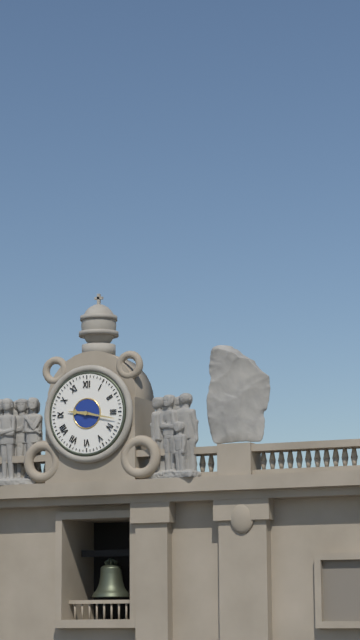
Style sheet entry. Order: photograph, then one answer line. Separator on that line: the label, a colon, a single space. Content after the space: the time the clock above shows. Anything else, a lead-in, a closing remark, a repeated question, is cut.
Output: 9:17
